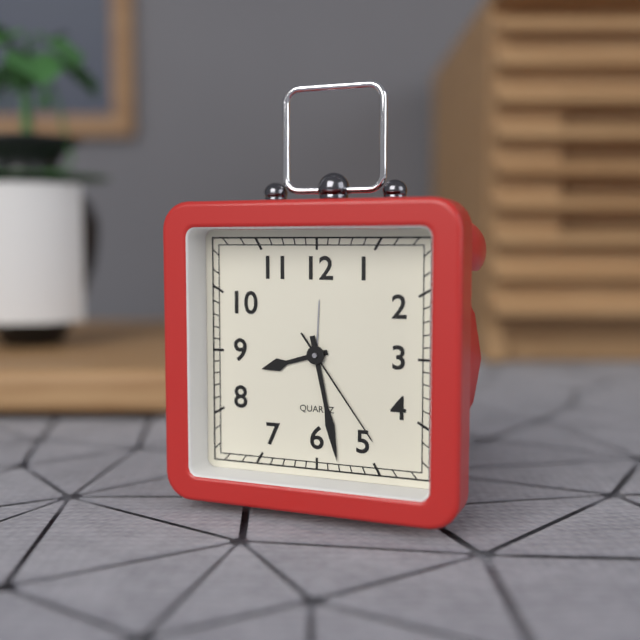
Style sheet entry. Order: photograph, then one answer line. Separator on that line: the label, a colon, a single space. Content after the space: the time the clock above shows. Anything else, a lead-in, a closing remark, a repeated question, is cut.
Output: 8:28:24
